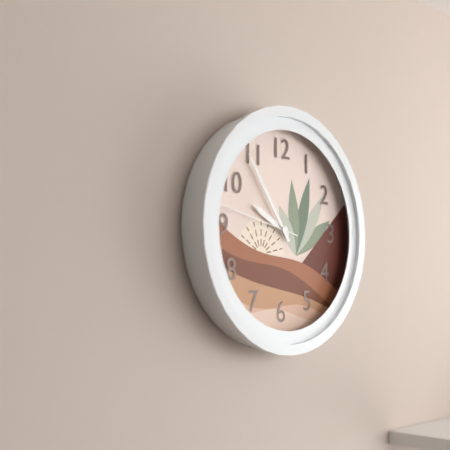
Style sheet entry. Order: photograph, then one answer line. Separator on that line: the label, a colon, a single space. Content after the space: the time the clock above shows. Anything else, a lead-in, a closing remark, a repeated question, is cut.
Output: 9:54:47
